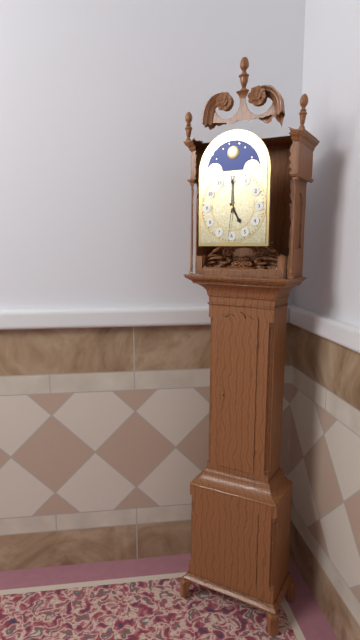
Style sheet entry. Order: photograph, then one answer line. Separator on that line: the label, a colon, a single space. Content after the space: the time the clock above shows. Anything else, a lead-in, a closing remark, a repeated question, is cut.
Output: 5:00
